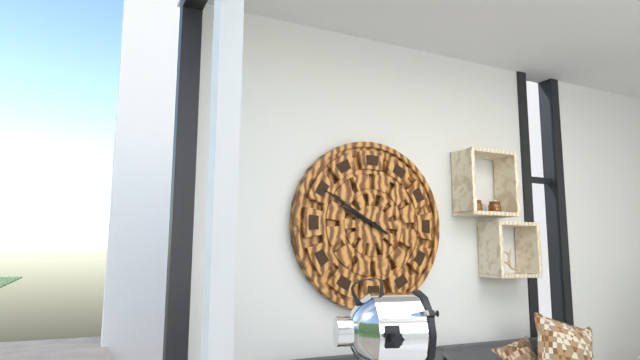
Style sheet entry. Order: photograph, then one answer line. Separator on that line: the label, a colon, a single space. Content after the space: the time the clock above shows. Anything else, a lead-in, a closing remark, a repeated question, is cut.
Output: 9:50
